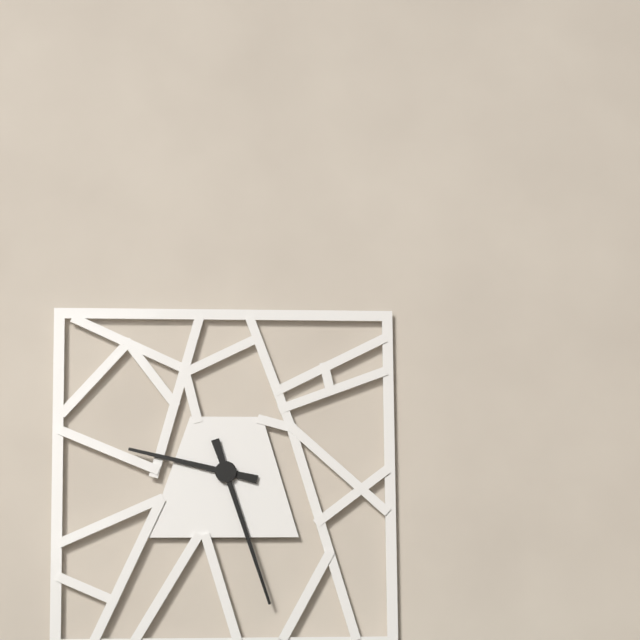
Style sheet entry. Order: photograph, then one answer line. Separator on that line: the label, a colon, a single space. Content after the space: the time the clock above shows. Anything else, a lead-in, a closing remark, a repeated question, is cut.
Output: 9:27
